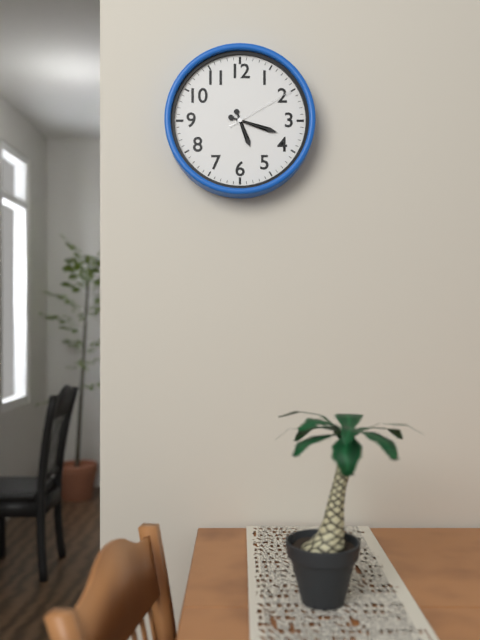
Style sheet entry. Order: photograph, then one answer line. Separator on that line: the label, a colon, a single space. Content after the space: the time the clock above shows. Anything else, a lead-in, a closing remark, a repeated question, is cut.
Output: 5:18:10
